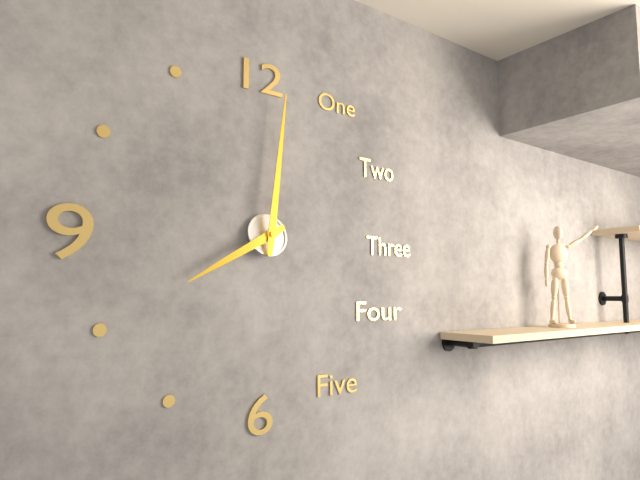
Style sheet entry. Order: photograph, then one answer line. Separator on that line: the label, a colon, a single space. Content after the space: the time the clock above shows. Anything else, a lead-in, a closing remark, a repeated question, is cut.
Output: 8:01
